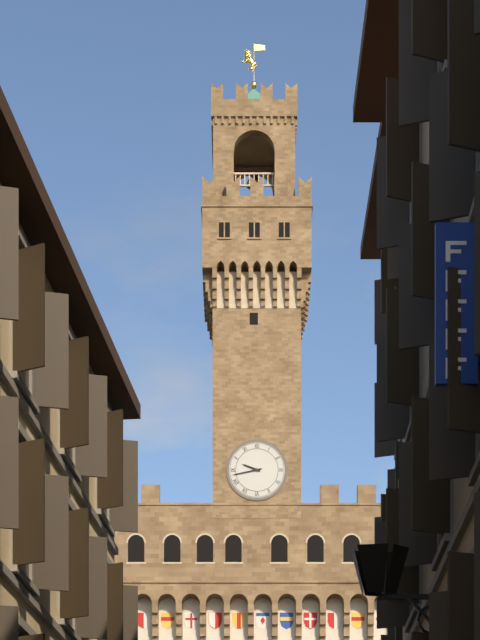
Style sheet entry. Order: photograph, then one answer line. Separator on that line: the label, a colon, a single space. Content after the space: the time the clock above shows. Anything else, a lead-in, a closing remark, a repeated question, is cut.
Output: 9:43
